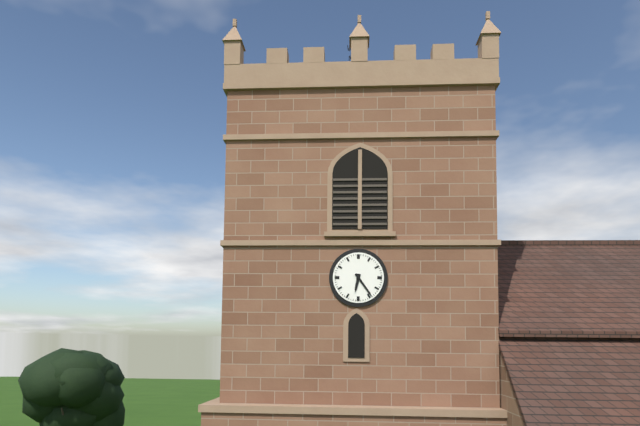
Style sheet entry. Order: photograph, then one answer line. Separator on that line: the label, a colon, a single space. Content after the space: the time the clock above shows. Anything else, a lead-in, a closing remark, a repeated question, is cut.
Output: 6:24
